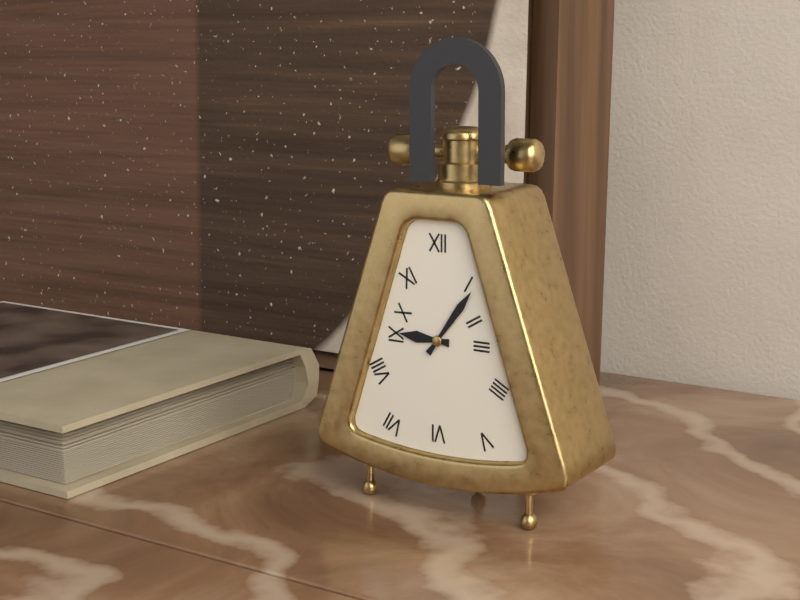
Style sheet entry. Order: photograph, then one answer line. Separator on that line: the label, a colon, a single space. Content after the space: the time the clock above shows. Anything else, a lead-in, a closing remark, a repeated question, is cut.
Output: 9:06
